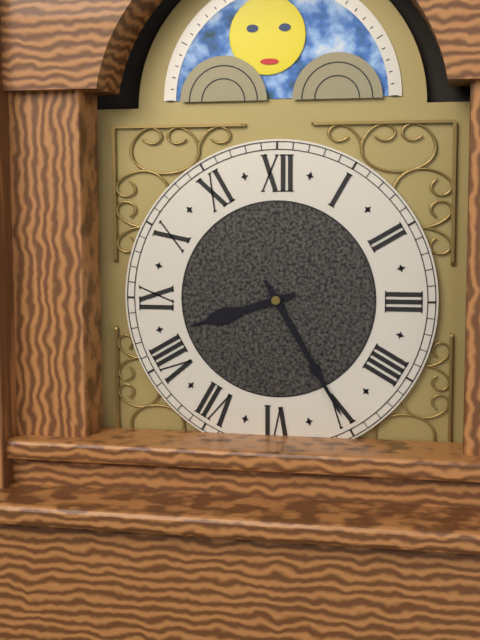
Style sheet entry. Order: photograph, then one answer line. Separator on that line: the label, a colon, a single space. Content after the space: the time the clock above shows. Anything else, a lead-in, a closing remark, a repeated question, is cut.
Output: 8:25
